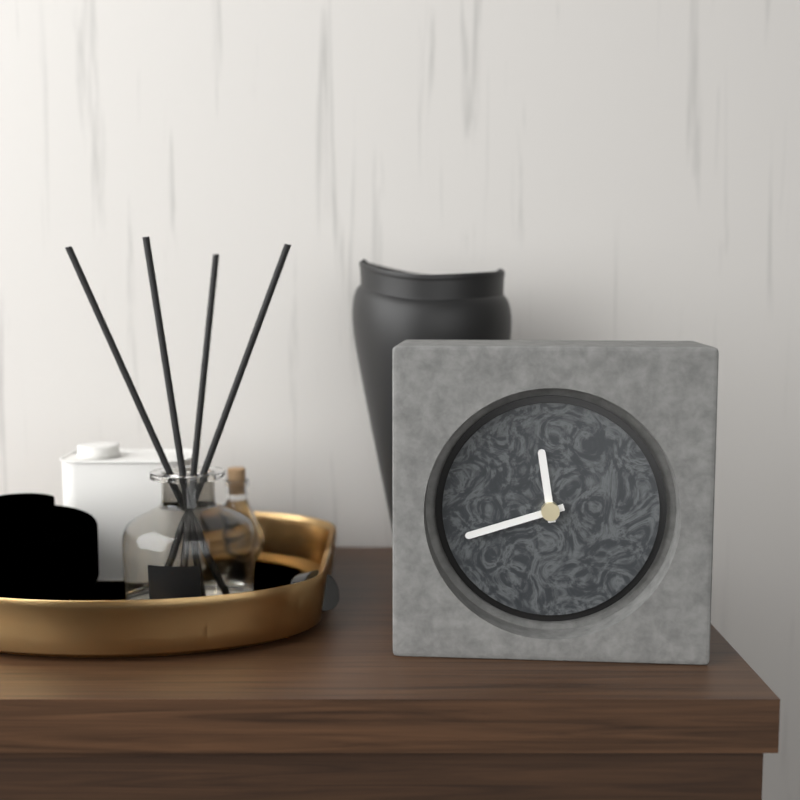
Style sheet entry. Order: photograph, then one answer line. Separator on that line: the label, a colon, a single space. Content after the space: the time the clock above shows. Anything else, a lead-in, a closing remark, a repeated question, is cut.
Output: 11:42
